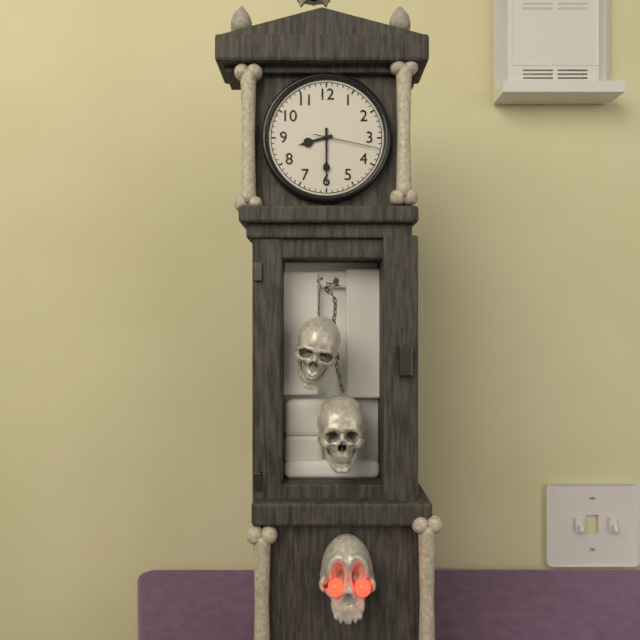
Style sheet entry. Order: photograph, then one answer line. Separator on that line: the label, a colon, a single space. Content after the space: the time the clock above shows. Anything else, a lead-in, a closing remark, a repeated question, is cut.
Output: 8:30:17
